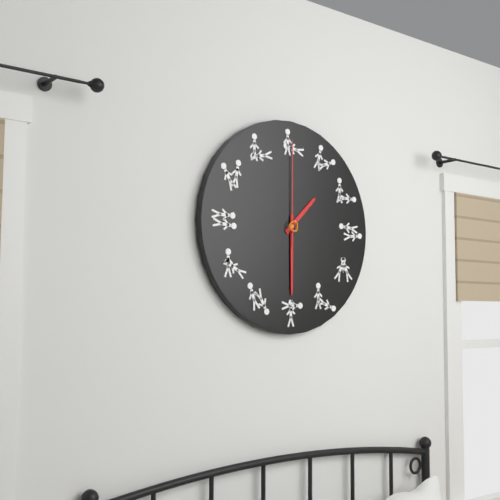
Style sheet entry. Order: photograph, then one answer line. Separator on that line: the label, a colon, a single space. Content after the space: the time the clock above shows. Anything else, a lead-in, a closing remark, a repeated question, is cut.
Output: 1:30:00
